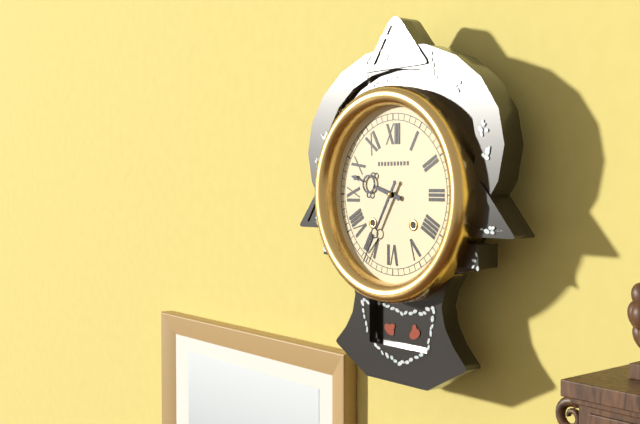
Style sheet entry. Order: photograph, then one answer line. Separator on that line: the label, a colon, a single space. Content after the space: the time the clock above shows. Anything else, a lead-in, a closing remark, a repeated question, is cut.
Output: 9:35
